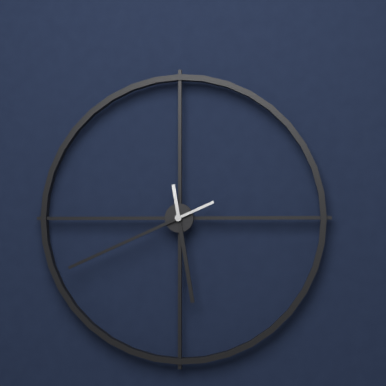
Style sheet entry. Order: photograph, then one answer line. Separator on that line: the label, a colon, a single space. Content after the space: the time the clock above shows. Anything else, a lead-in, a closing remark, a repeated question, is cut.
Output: 5:41
